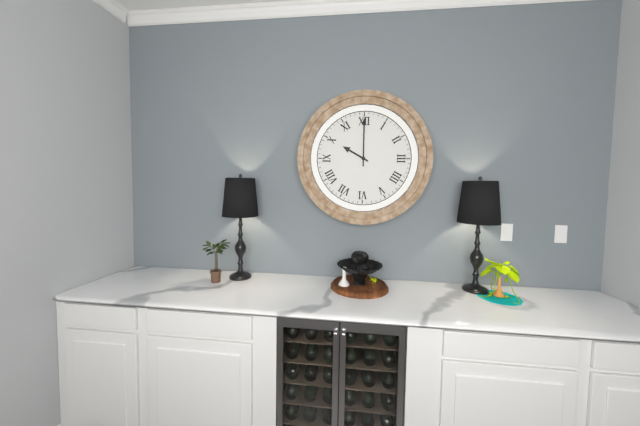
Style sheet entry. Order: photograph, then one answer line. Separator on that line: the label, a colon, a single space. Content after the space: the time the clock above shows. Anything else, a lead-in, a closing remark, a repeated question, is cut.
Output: 10:00
